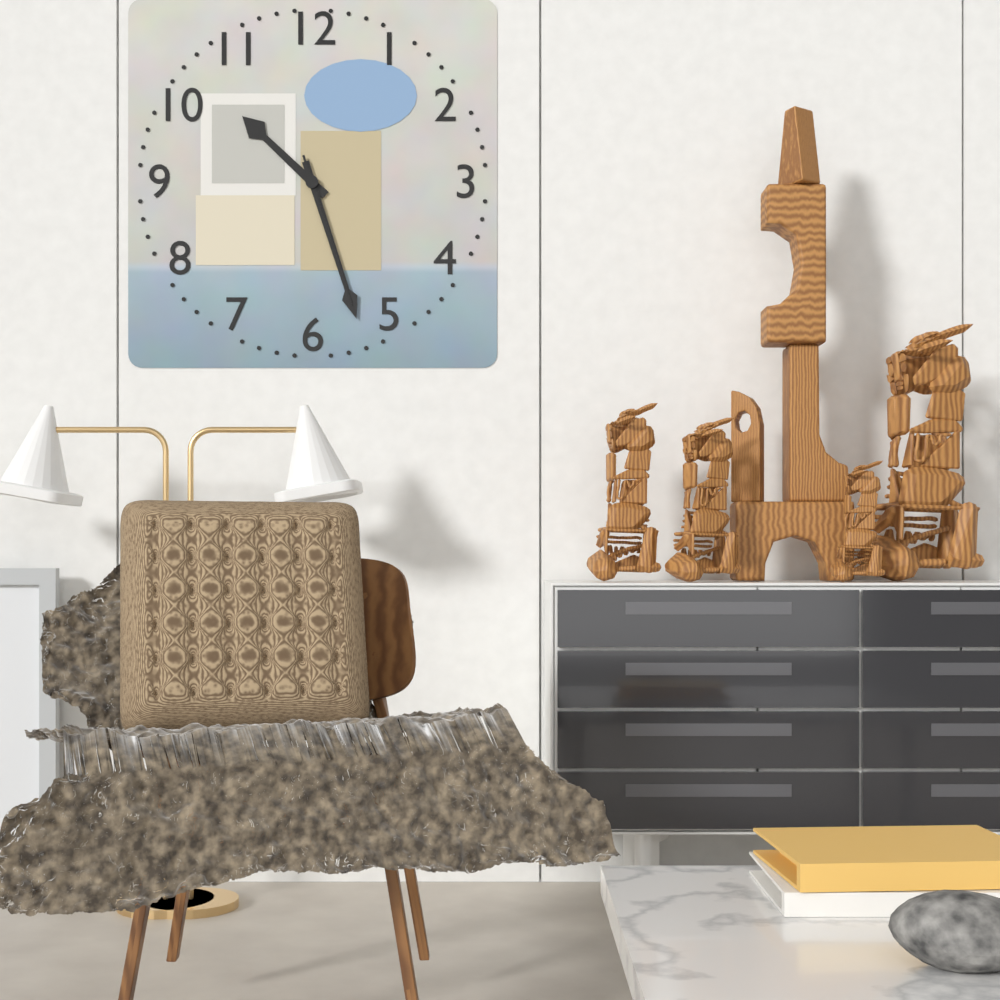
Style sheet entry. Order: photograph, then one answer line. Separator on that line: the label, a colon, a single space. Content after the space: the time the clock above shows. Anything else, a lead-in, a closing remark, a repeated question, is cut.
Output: 10:27:27
